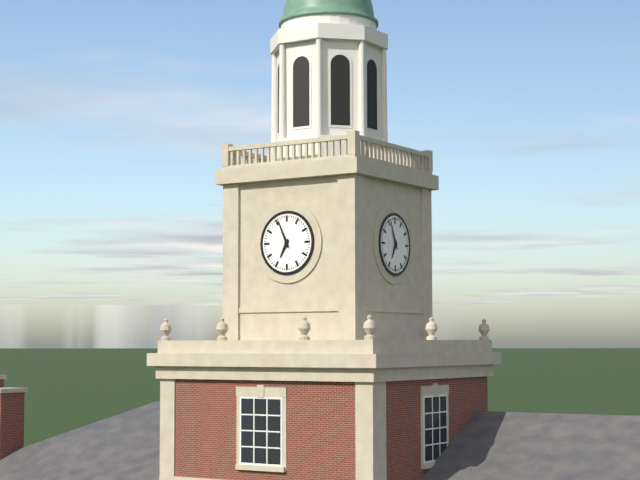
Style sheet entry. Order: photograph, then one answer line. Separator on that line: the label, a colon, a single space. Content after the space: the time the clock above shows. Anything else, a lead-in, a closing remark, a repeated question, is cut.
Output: 6:56
